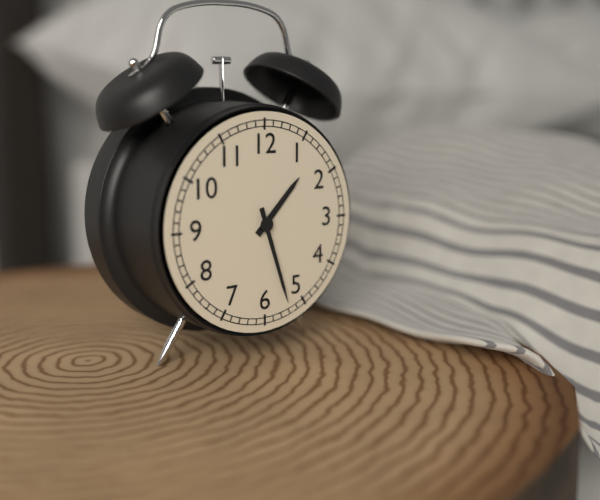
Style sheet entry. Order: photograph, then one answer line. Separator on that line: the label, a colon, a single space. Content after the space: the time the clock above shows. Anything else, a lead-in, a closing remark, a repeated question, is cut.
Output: 1:27
